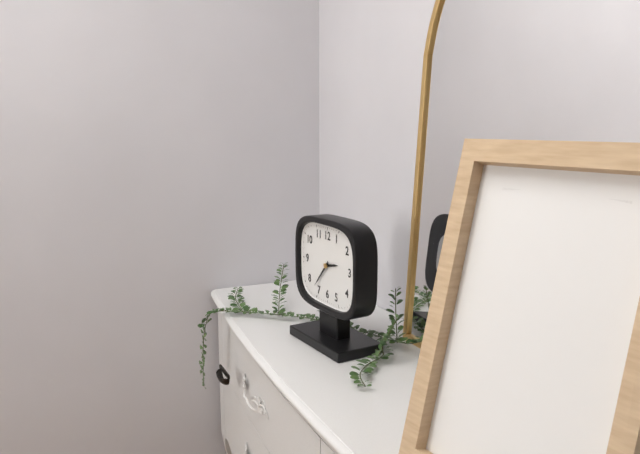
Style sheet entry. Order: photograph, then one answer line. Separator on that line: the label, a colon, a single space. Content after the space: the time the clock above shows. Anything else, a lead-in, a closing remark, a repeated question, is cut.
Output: 2:37
